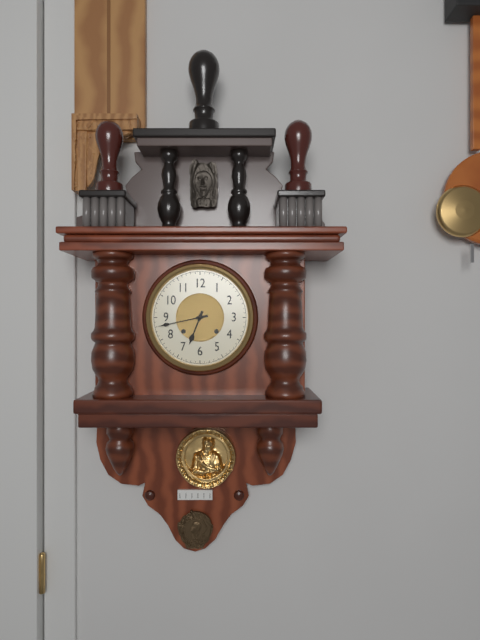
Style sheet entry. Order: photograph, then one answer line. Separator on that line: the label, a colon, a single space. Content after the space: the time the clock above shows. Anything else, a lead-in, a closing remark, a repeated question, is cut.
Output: 6:43
